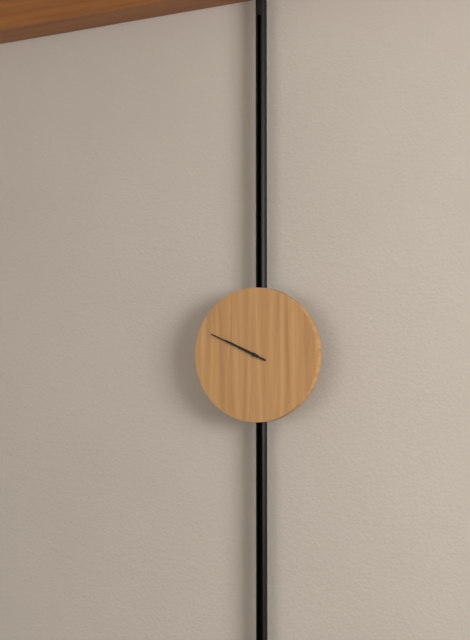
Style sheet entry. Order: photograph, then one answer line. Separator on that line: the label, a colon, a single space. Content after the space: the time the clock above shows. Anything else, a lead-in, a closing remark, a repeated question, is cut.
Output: 9:49
